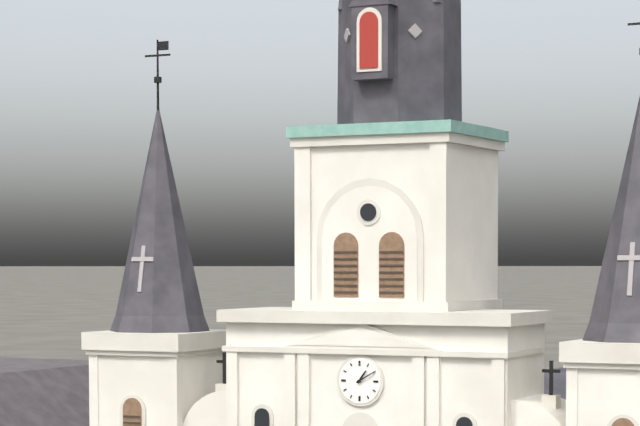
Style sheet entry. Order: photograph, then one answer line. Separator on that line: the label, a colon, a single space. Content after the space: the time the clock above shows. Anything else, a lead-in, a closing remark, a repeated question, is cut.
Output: 1:10
